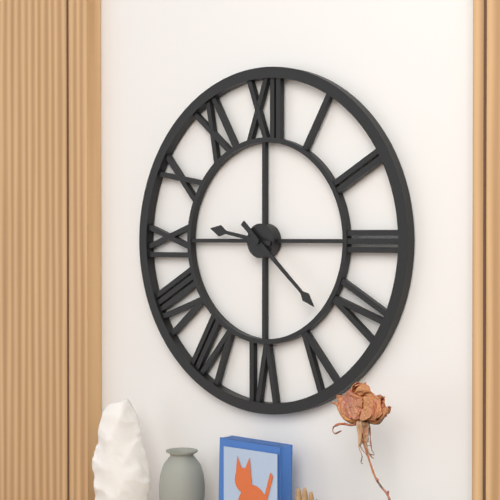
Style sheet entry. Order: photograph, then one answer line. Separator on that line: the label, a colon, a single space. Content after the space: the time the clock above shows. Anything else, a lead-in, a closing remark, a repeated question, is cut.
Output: 9:22
